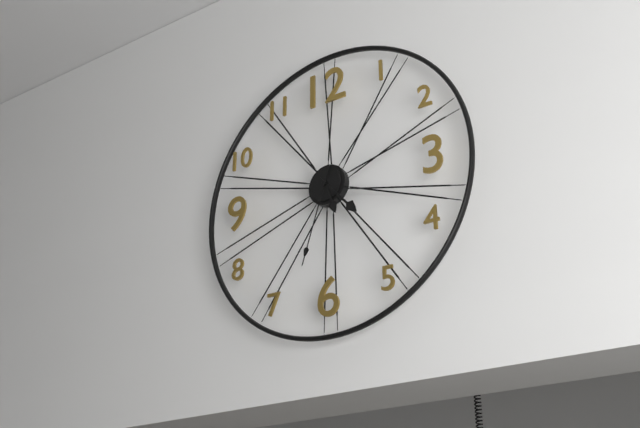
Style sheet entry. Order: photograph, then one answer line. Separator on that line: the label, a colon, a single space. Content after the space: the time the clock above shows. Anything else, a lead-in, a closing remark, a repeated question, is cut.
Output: 5:23:33
